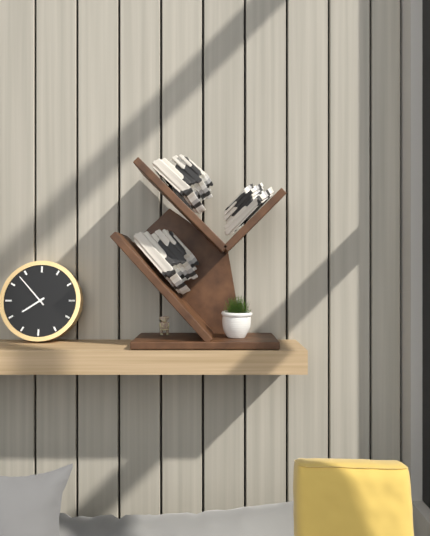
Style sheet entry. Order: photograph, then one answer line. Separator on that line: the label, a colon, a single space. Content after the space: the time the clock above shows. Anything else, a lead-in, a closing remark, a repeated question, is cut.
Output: 7:53
